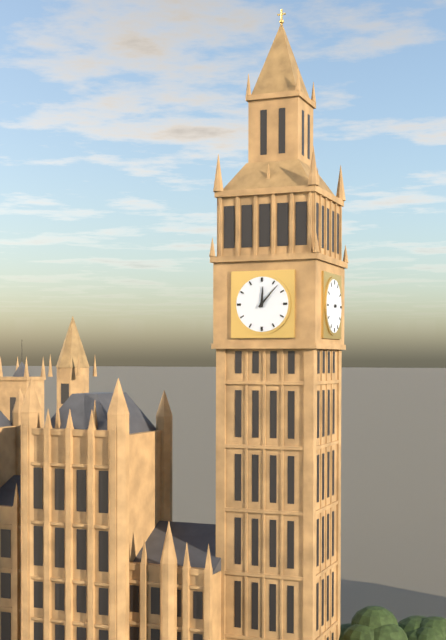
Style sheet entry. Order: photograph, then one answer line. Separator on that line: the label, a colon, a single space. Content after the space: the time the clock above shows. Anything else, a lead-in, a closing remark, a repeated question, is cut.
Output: 12:07
